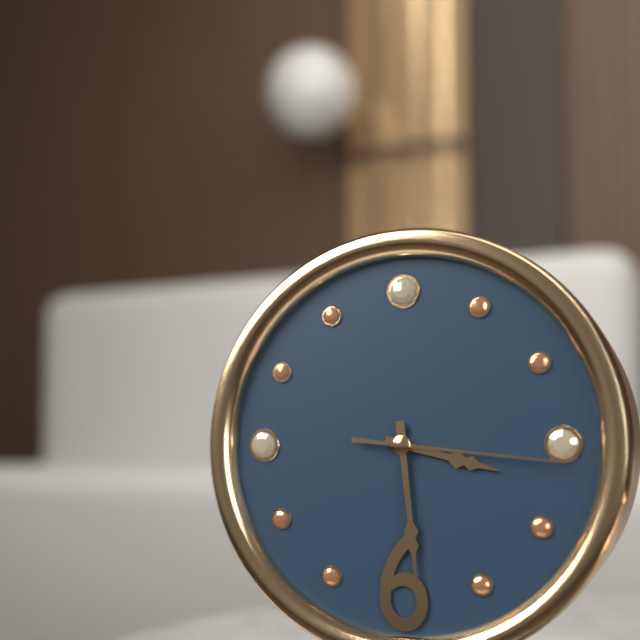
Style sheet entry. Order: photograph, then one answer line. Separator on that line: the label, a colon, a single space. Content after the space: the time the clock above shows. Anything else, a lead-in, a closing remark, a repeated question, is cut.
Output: 3:29:16
